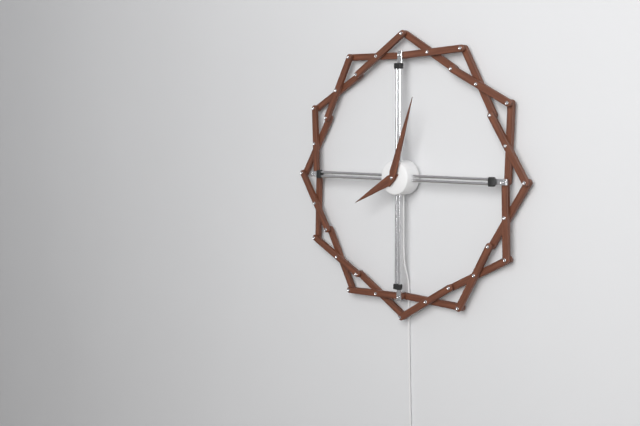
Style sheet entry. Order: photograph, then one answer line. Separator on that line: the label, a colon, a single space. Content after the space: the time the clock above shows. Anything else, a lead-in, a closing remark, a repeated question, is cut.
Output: 8:03
